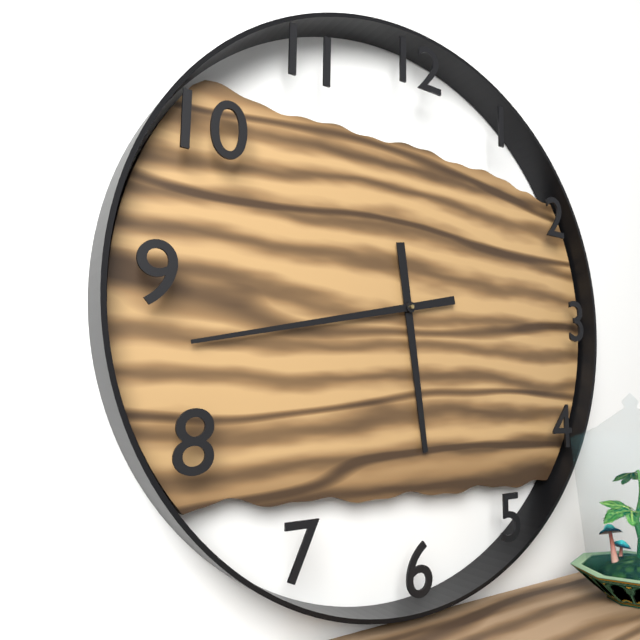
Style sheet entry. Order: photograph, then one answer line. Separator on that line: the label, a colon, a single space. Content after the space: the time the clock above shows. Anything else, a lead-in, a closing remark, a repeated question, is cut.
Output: 5:43
